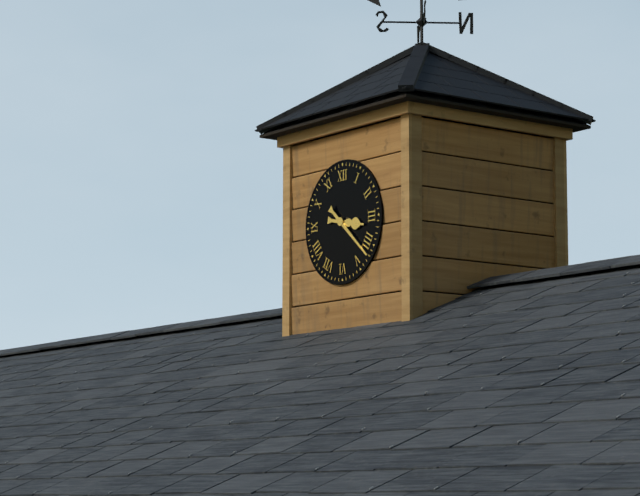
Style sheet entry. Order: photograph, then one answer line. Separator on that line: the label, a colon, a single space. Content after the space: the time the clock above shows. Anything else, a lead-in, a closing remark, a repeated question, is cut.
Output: 3:22
